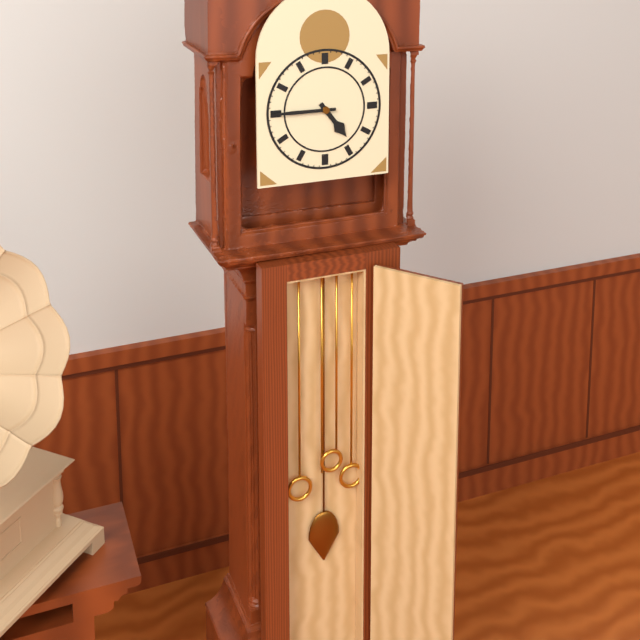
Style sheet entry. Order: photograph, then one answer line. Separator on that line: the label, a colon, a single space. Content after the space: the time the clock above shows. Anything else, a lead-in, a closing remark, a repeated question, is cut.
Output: 4:45
